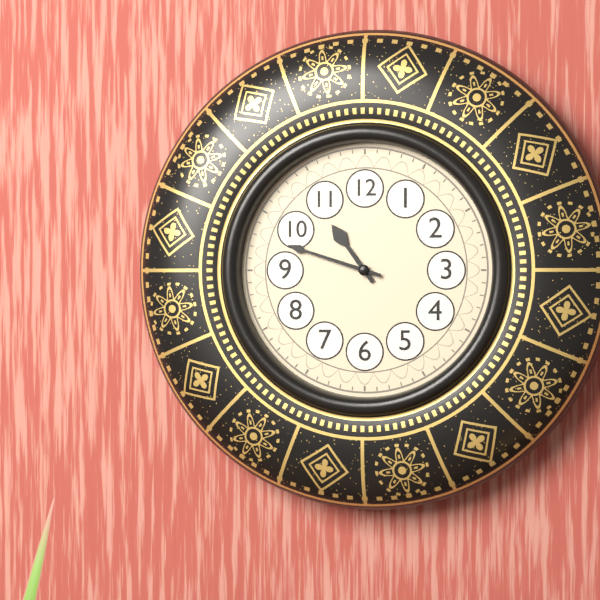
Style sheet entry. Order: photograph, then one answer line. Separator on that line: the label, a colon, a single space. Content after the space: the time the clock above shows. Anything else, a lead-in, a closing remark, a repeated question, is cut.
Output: 10:48
